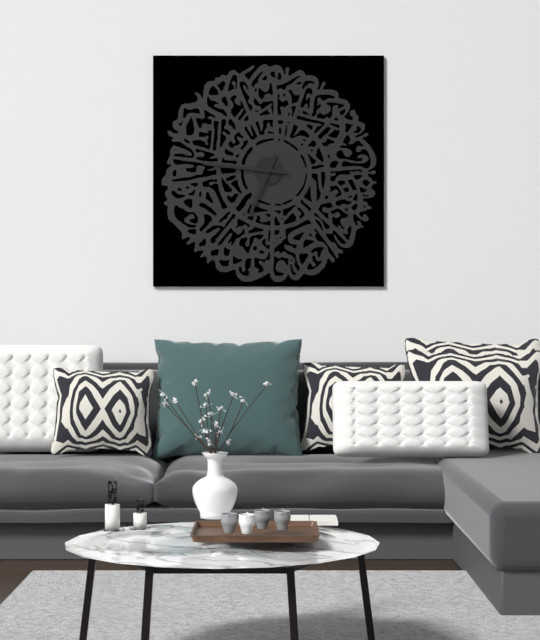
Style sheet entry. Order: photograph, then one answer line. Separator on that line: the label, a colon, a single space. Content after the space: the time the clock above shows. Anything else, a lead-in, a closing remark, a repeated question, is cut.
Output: 6:46
